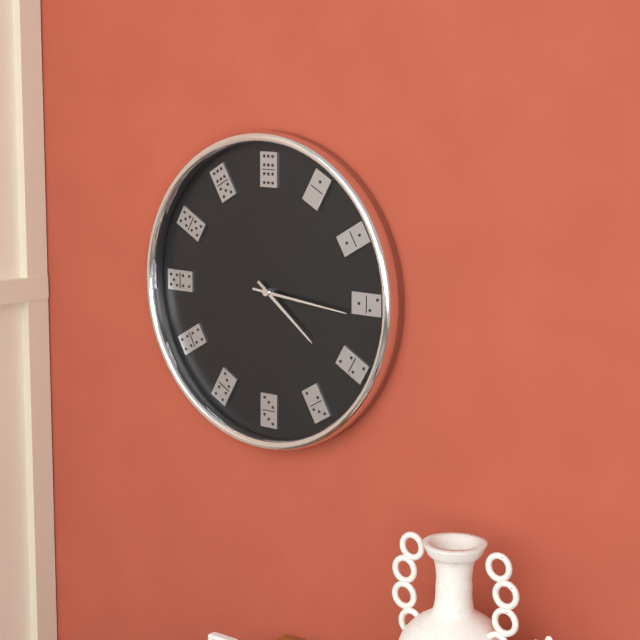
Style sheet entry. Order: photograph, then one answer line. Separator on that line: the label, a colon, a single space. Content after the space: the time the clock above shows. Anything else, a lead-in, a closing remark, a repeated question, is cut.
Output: 4:16
